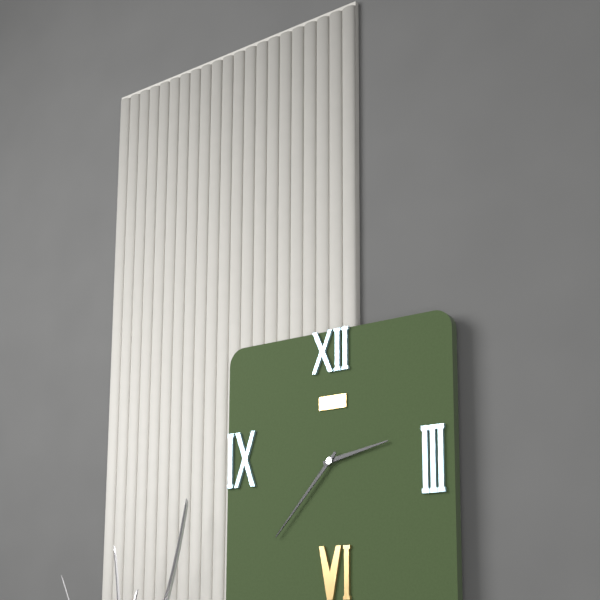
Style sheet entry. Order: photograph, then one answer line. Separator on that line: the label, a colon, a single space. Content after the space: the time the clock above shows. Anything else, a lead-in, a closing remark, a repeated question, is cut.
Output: 2:37
